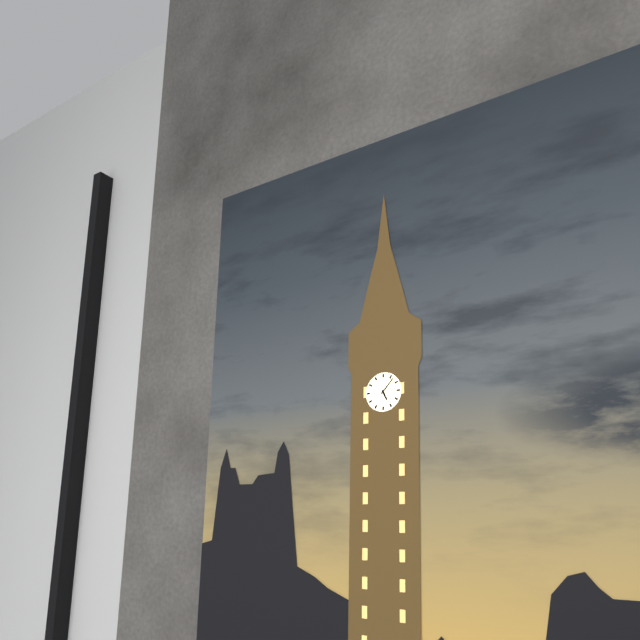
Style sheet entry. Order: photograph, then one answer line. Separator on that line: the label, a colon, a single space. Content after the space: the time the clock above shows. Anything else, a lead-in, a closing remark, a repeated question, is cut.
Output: 5:07
